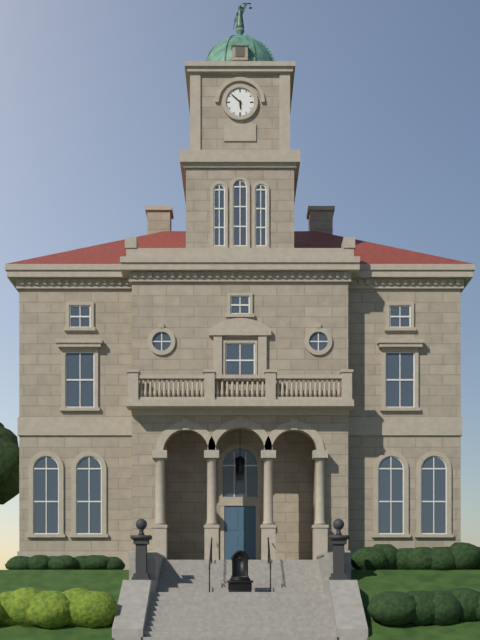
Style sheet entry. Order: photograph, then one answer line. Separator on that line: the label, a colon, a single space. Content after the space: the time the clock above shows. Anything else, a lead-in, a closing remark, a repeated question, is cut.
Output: 5:52
